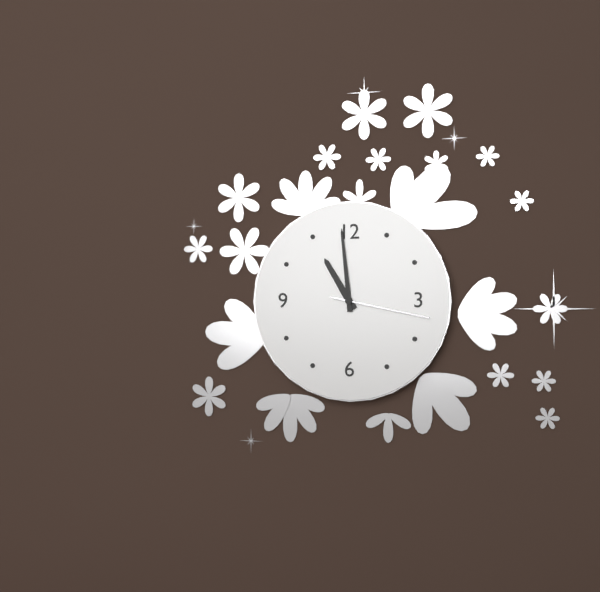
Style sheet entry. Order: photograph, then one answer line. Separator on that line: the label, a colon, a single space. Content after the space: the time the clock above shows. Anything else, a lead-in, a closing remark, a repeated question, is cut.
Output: 10:59:17
